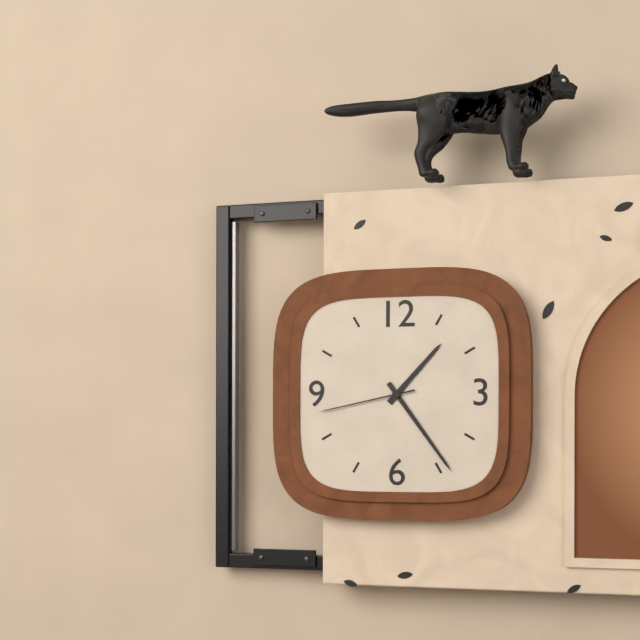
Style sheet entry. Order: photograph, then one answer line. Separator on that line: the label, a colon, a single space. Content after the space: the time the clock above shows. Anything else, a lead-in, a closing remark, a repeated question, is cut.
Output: 1:24:43
